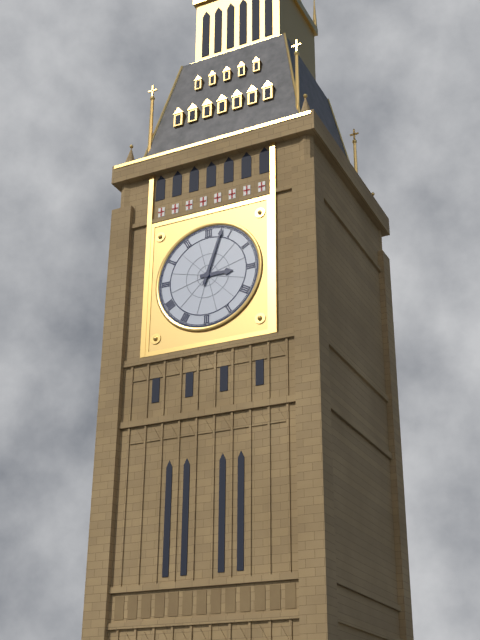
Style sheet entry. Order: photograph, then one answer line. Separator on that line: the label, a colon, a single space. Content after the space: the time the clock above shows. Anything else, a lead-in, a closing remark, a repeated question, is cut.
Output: 3:03
